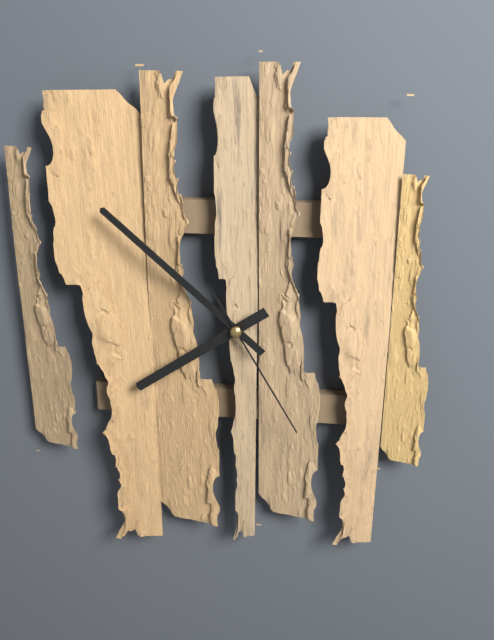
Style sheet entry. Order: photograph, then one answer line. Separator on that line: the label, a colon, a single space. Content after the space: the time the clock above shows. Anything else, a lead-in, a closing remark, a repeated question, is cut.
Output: 7:52:25
